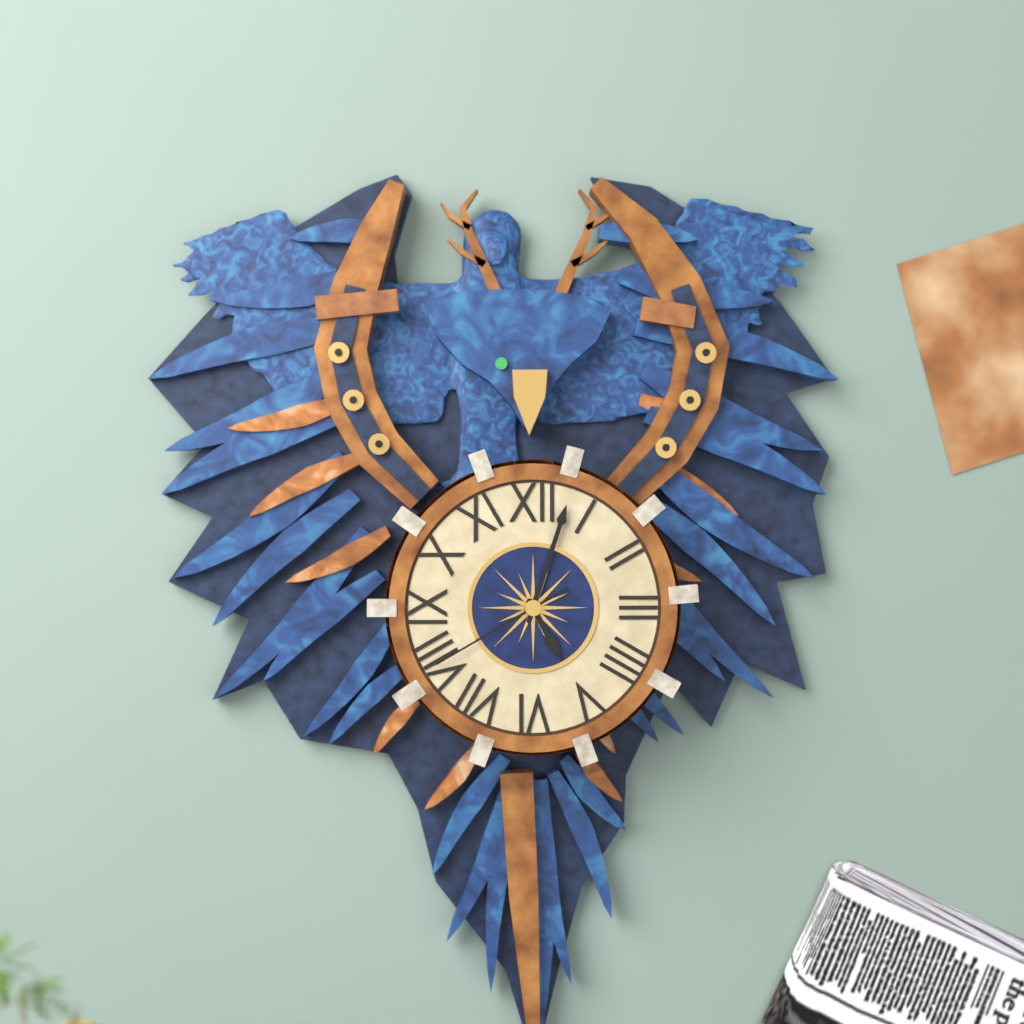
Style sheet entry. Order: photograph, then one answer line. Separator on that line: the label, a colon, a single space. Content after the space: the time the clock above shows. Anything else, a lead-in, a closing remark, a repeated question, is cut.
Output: 5:03:40
